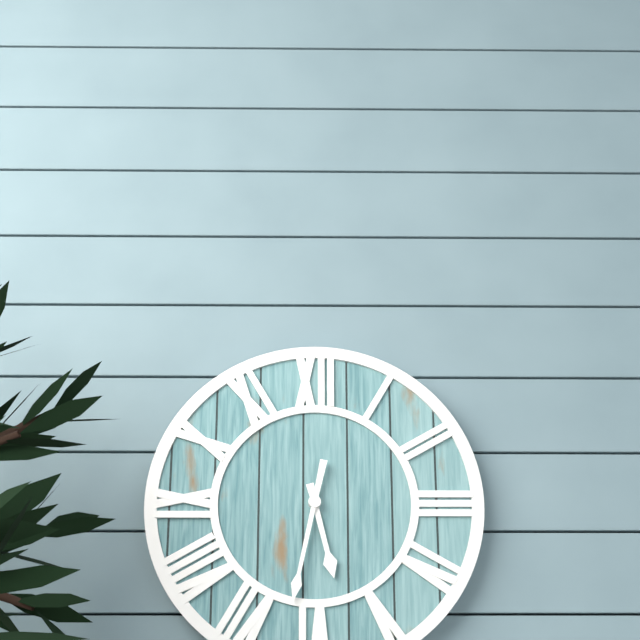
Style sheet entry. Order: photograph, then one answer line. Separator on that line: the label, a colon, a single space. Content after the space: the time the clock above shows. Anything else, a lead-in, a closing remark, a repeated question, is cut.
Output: 5:32
